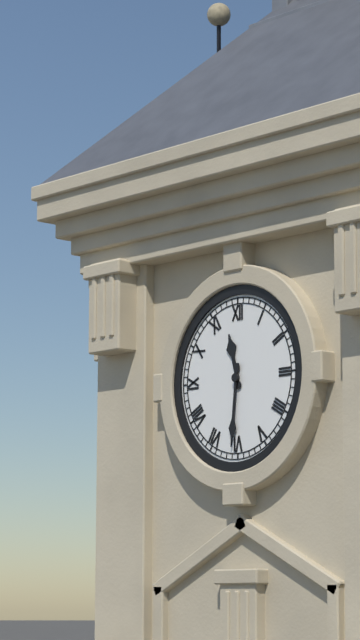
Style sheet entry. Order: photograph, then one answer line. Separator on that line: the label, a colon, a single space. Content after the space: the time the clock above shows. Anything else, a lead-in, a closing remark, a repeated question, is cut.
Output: 11:31
